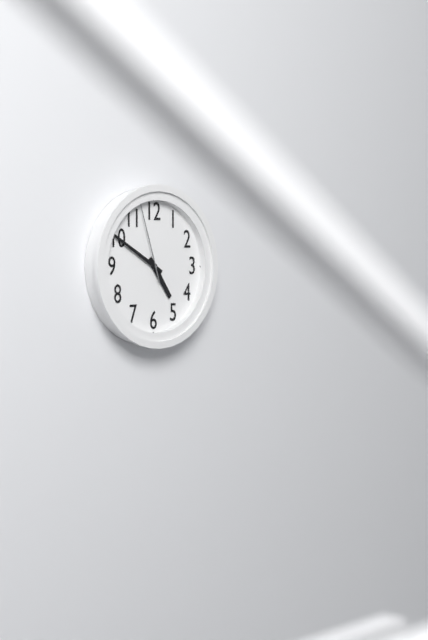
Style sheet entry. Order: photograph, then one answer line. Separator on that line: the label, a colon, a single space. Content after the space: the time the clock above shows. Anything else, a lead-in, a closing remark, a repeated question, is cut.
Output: 4:50:57
